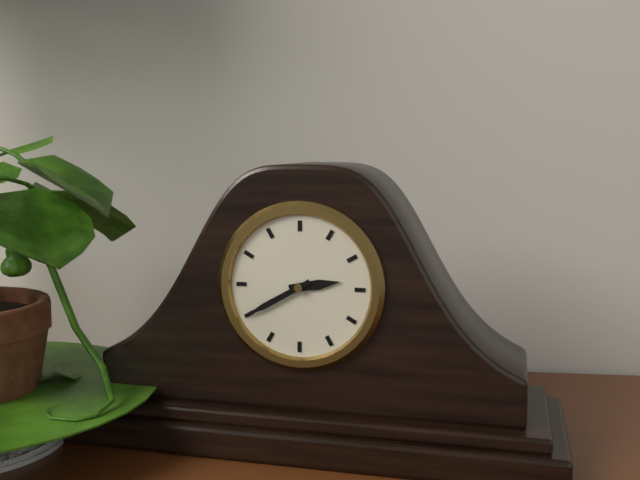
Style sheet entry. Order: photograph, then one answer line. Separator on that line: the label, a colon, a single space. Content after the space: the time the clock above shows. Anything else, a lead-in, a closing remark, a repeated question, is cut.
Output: 2:40
